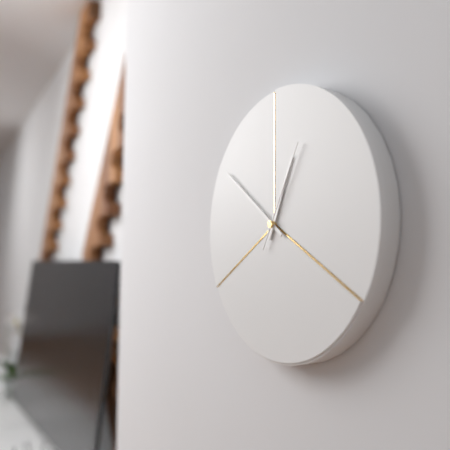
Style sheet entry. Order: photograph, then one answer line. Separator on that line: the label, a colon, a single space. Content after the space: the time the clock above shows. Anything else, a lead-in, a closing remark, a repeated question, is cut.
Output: 12:51:05
